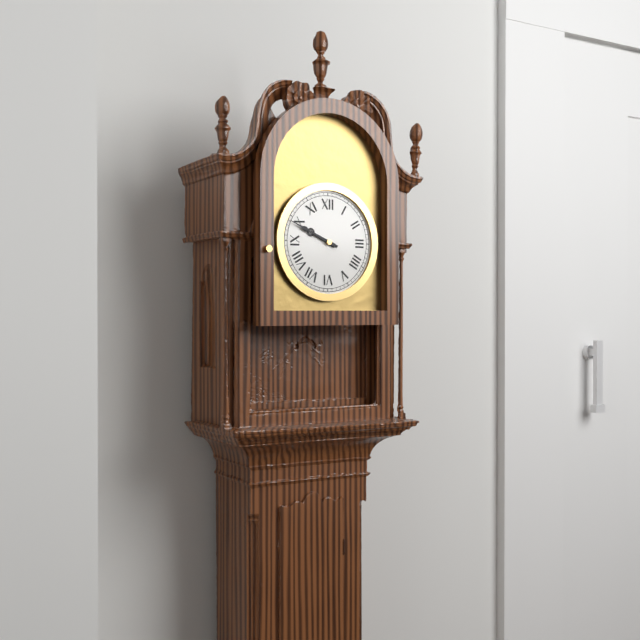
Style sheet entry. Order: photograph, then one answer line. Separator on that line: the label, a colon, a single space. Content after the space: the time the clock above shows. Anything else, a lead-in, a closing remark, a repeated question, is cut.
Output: 9:49
